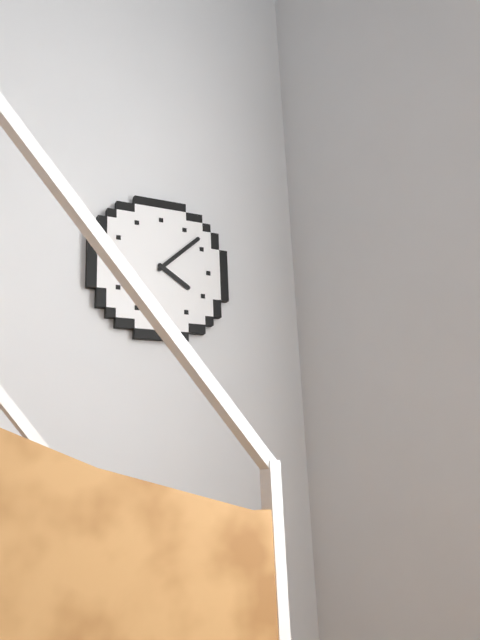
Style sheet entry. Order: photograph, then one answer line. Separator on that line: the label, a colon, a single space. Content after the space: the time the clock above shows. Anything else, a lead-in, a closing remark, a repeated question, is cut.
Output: 4:08
